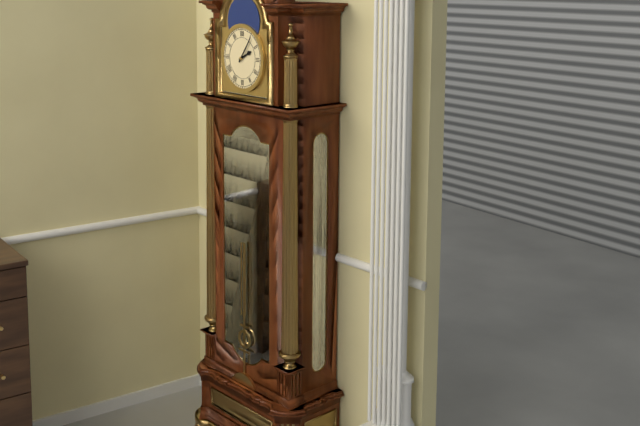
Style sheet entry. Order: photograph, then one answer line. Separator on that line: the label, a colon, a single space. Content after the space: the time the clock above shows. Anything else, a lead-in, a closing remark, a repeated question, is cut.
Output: 2:06
